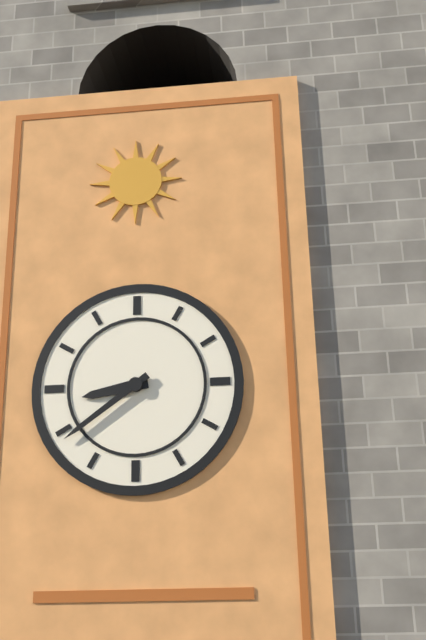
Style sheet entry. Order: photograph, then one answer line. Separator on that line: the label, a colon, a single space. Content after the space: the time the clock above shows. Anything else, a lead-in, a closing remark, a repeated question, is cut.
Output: 8:39
